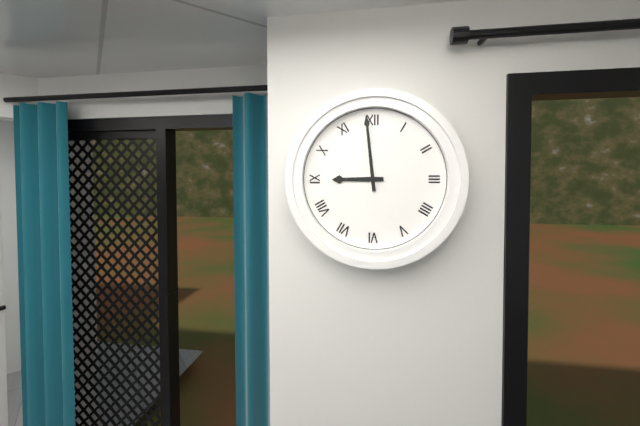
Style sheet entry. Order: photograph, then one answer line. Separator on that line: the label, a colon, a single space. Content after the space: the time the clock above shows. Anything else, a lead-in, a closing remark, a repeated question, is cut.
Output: 8:59
